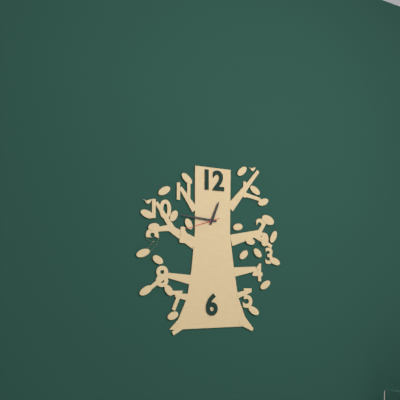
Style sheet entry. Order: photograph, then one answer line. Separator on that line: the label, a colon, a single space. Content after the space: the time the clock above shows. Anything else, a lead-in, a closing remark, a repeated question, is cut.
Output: 12:46
